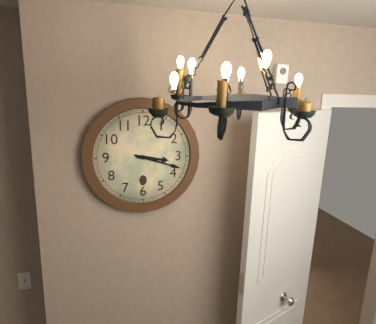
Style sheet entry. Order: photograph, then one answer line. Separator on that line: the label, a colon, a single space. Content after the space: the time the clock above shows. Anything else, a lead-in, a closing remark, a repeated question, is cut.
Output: 3:18
